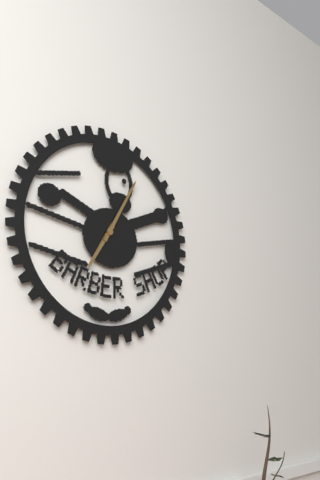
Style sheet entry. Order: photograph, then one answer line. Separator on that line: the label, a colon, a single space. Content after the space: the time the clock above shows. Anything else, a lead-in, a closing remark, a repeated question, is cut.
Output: 7:05
